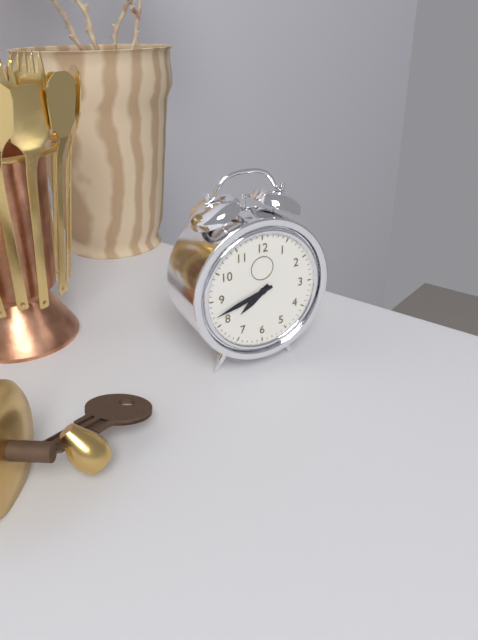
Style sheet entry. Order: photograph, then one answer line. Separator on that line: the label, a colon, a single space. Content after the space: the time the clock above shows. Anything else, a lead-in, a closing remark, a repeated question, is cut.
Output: 7:42
